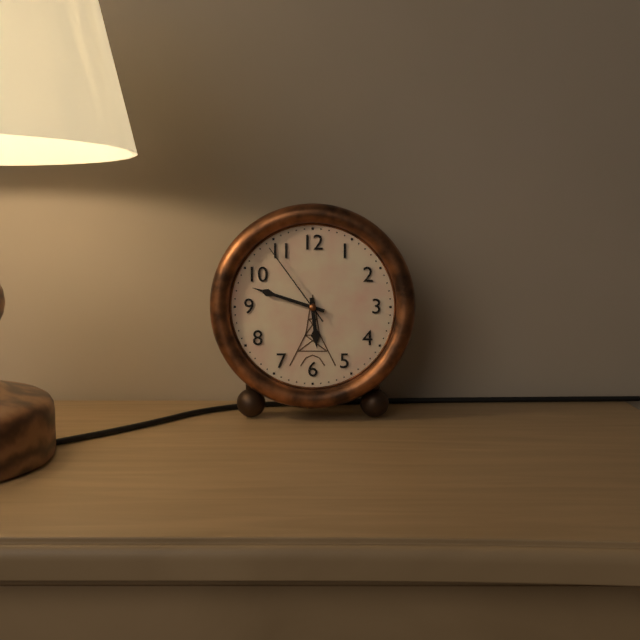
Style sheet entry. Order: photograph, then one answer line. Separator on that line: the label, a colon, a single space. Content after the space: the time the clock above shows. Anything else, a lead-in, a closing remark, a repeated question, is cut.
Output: 5:48:54
